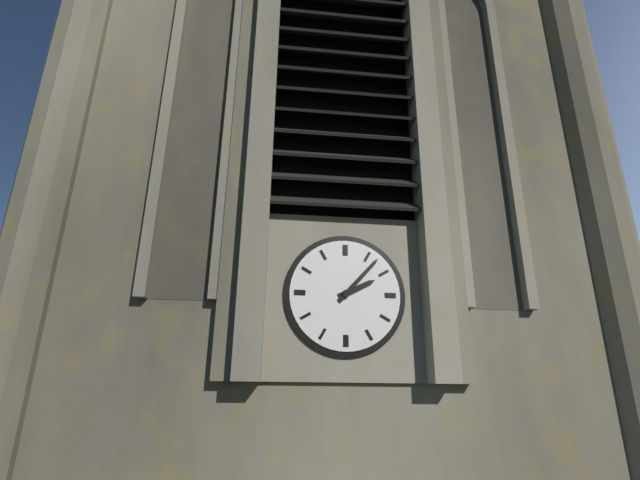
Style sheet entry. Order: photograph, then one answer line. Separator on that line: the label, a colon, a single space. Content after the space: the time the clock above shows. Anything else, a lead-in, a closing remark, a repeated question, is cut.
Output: 2:07
